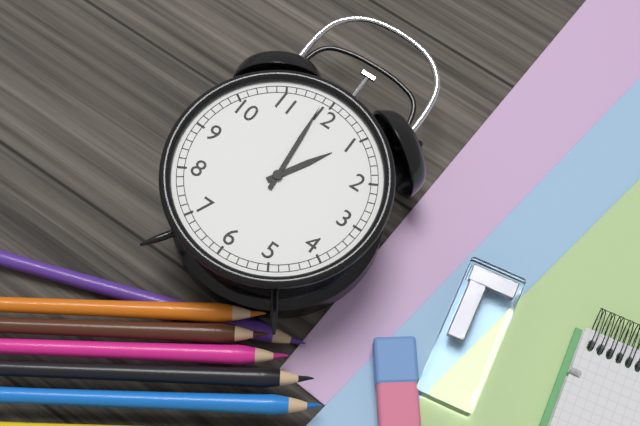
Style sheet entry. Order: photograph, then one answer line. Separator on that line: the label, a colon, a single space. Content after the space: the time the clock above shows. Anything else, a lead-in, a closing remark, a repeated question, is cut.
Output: 12:59
